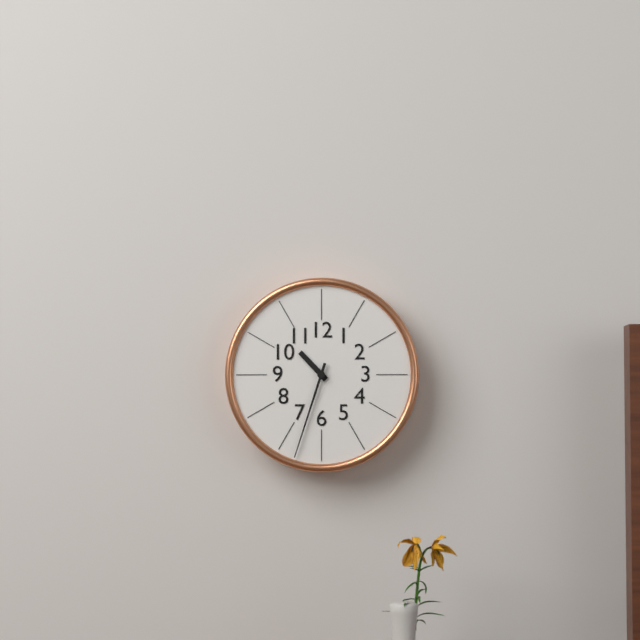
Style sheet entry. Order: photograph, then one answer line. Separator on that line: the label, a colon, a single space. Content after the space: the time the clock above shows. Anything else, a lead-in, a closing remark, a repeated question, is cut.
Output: 10:33
